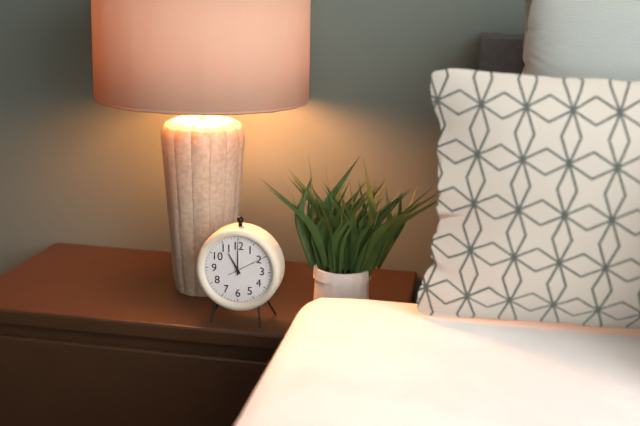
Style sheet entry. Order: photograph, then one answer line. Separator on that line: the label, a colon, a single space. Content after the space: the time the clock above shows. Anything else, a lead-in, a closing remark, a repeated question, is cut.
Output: 11:00
